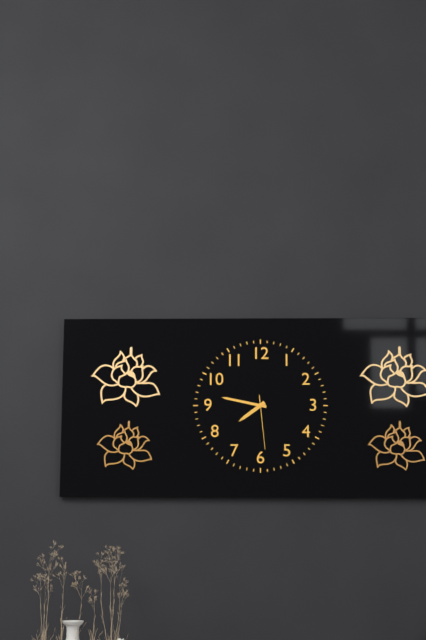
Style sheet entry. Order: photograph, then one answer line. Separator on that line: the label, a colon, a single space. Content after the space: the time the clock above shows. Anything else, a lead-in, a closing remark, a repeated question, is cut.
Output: 7:47:29
